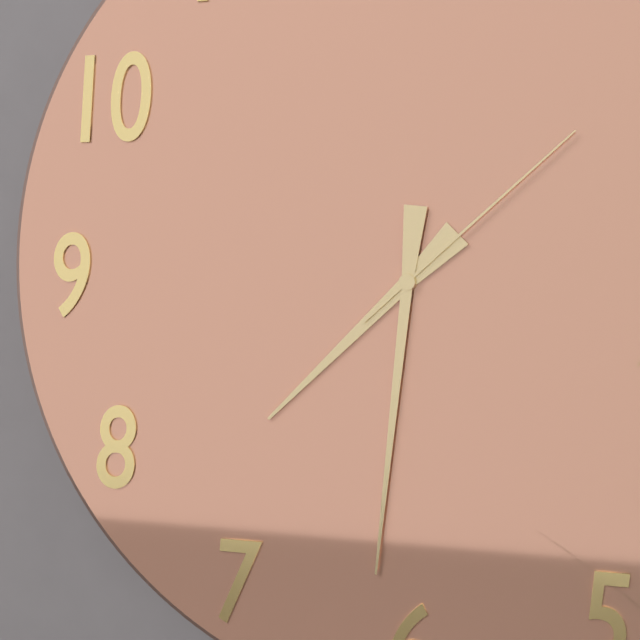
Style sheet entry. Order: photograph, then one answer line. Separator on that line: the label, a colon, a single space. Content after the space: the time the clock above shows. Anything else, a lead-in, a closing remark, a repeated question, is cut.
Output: 7:31:08
